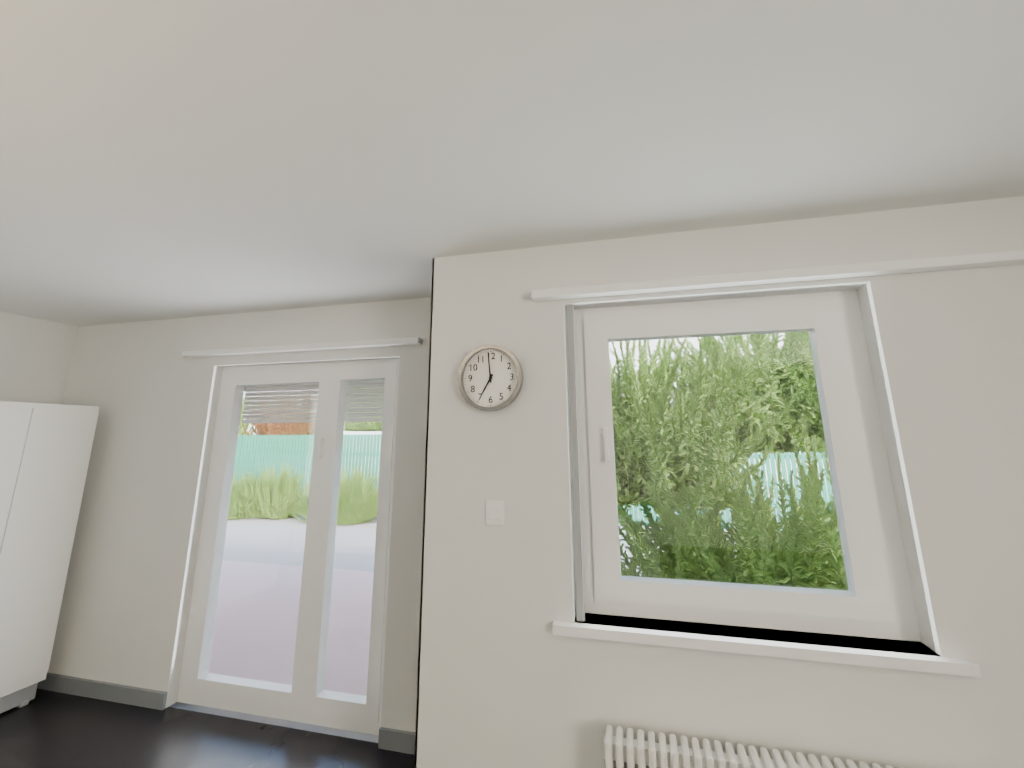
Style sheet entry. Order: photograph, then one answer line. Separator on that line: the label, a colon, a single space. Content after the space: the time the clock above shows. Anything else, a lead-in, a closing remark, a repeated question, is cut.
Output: 6:59
